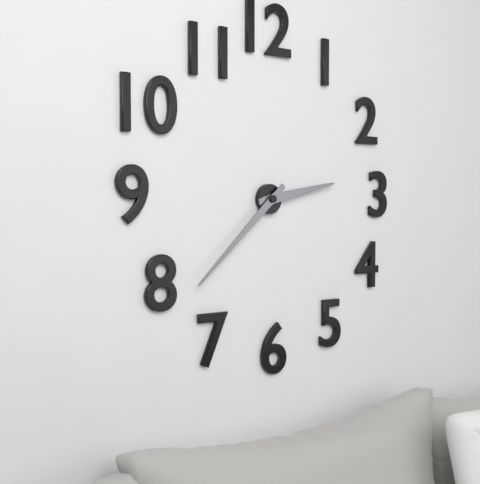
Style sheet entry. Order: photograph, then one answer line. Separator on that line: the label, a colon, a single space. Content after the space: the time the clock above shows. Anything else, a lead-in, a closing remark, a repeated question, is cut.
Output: 2:38
